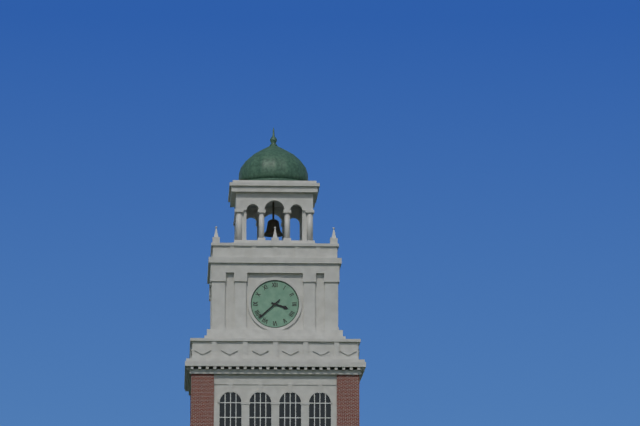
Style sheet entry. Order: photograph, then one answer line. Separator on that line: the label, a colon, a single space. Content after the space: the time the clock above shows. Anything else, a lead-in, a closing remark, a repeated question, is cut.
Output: 3:38
